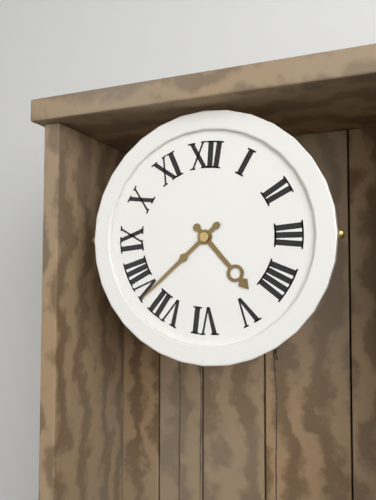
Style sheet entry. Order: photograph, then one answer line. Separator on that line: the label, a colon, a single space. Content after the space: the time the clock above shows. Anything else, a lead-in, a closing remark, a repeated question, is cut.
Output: 4:38
